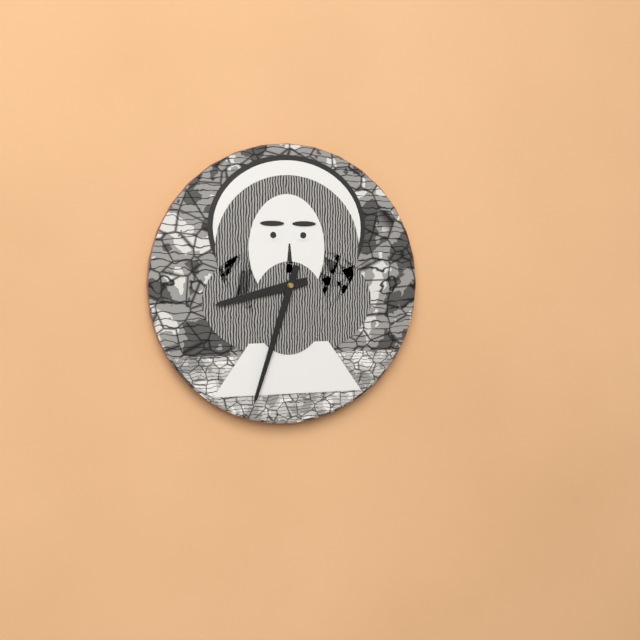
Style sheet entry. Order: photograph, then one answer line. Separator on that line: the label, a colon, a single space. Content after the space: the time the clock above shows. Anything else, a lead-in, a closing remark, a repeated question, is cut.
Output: 8:33
